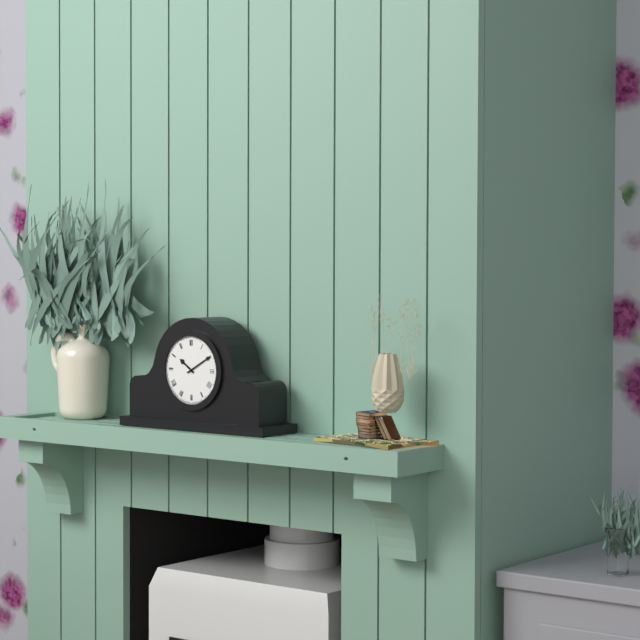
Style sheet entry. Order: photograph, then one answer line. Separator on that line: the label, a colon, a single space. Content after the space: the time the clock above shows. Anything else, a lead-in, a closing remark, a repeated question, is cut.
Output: 10:10
